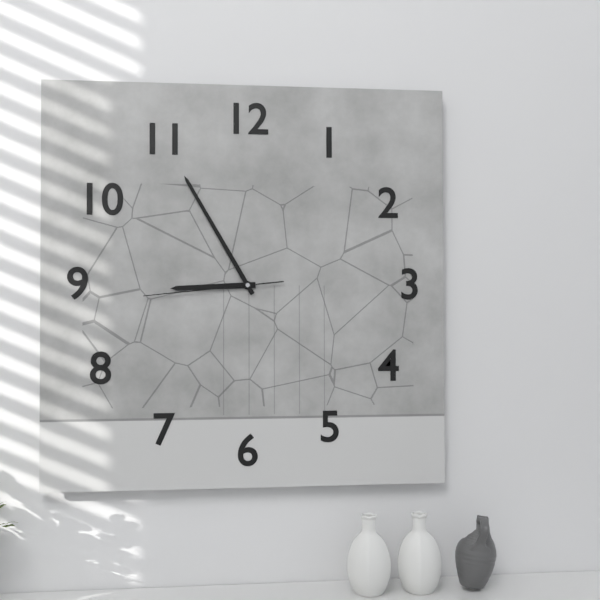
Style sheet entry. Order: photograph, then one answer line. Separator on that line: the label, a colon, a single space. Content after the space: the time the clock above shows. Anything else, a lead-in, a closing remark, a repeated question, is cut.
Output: 8:55:44
